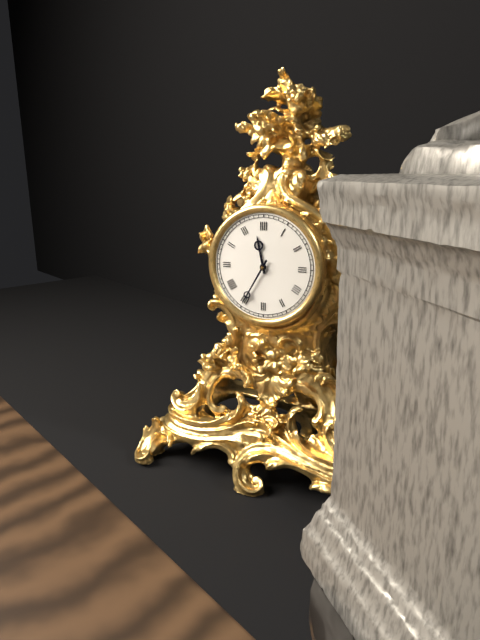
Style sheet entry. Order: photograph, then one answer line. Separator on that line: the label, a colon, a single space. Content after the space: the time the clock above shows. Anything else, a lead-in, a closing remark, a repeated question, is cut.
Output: 11:35
